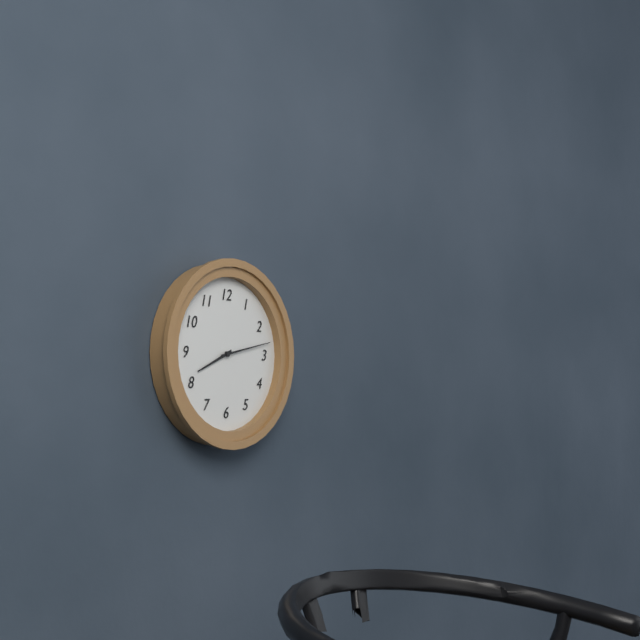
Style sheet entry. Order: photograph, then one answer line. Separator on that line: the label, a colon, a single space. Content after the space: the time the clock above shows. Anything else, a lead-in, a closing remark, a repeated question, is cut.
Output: 8:13
